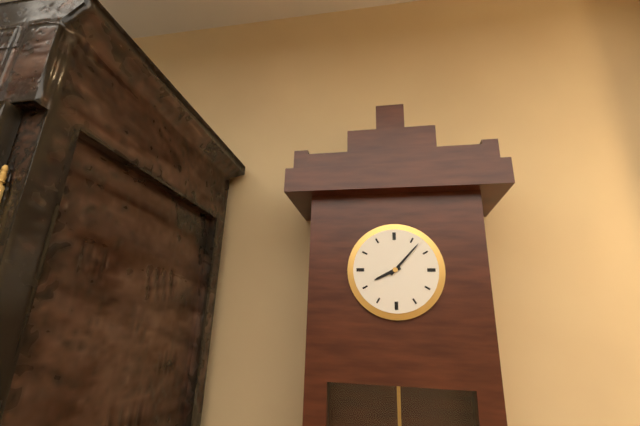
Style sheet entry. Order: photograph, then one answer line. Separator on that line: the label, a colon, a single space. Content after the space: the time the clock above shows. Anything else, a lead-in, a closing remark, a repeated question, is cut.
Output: 8:07
